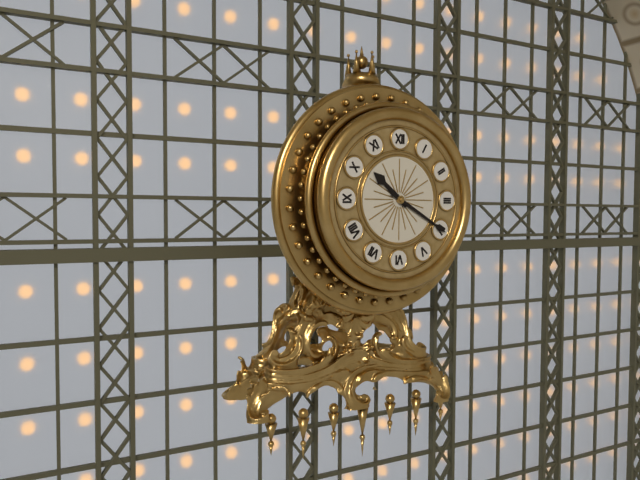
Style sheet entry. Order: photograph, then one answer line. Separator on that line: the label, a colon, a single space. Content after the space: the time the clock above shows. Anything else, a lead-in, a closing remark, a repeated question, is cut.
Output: 10:20
